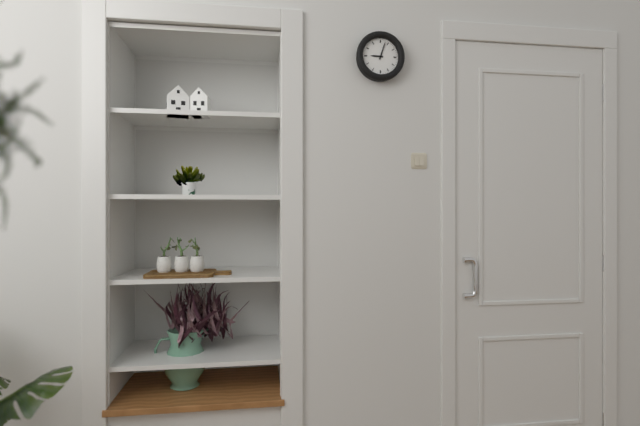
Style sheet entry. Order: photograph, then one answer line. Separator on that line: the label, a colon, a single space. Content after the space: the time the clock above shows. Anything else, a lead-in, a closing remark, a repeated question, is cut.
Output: 9:03
